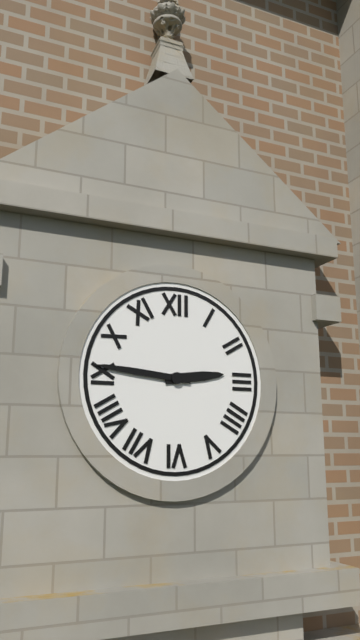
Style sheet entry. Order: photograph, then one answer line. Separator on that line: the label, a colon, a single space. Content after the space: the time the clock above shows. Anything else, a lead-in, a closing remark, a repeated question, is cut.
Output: 2:46
